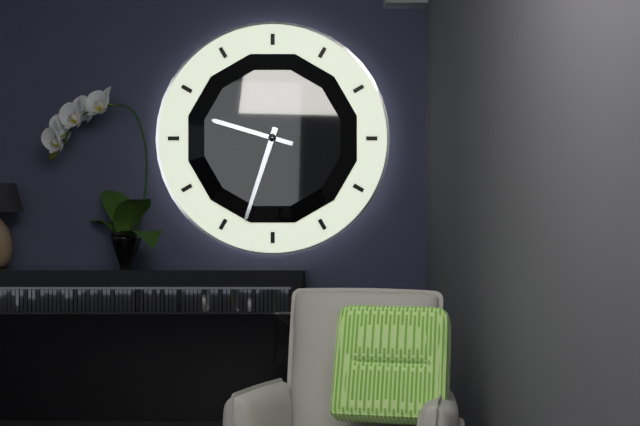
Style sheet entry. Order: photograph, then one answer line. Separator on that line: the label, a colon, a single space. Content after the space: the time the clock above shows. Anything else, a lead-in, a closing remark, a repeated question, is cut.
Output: 9:33
